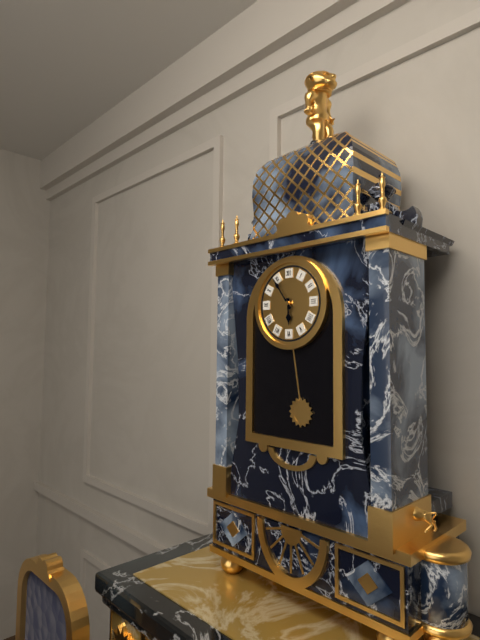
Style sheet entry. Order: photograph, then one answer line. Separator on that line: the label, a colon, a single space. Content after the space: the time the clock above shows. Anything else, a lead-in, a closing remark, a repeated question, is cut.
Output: 5:54
